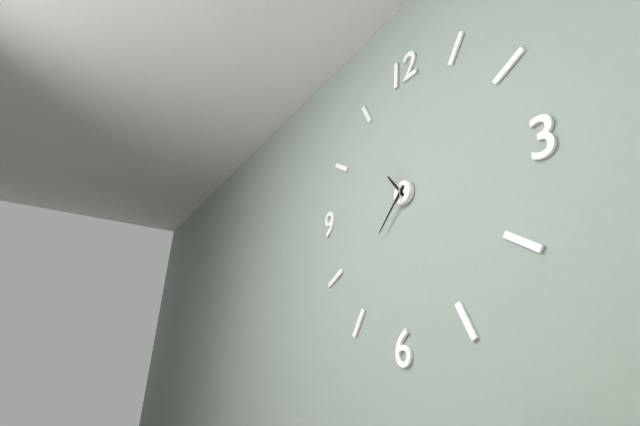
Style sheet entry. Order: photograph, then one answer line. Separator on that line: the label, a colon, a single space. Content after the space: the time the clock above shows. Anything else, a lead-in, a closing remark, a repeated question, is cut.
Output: 10:37
